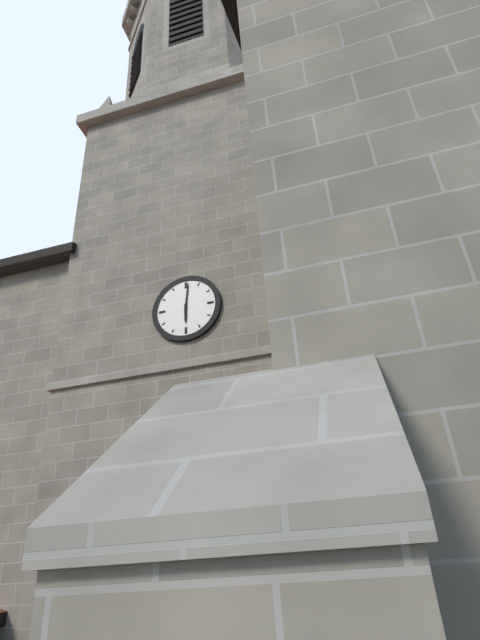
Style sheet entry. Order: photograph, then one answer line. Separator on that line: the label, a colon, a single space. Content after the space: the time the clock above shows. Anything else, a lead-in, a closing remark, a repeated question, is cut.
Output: 6:01
